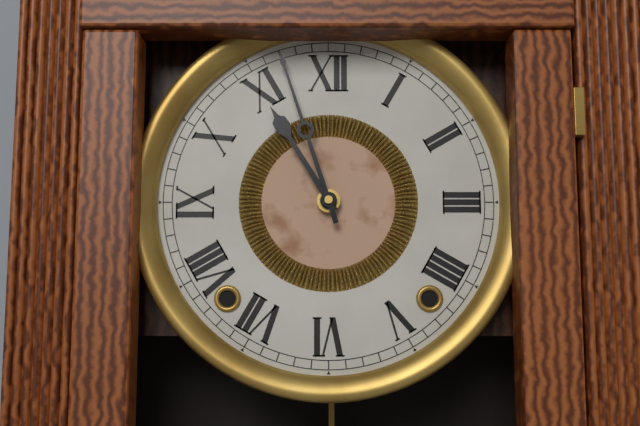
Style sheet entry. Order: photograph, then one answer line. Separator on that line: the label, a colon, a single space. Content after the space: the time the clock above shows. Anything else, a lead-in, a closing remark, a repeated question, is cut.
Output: 10:57
